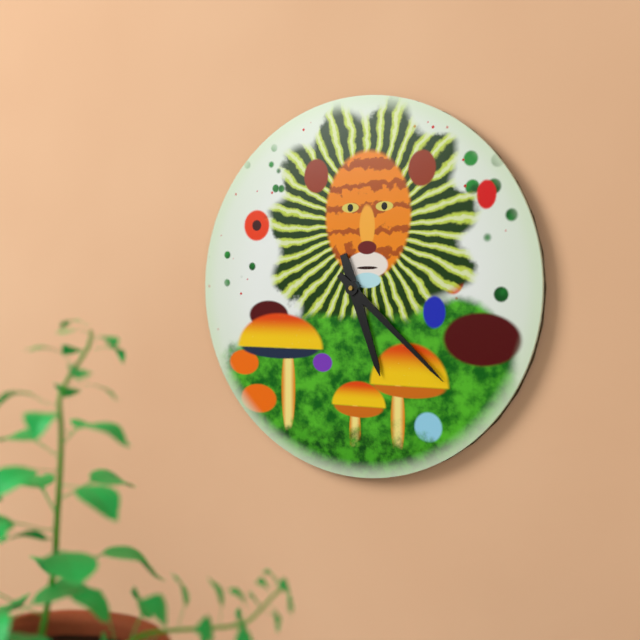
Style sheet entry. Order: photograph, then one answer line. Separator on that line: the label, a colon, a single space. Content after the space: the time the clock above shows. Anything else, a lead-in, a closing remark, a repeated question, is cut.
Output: 5:22
